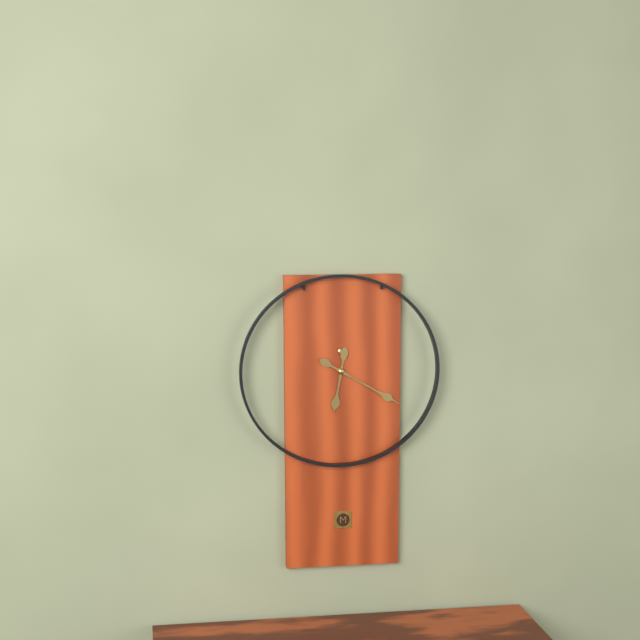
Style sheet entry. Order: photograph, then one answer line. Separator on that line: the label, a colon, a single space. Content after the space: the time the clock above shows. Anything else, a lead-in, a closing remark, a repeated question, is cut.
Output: 6:20
